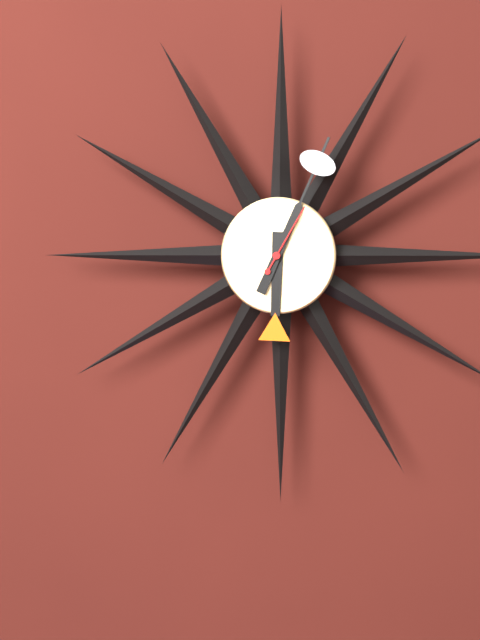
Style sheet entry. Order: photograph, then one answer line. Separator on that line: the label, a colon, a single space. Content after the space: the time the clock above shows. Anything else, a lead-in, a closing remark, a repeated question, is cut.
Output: 6:04:05
